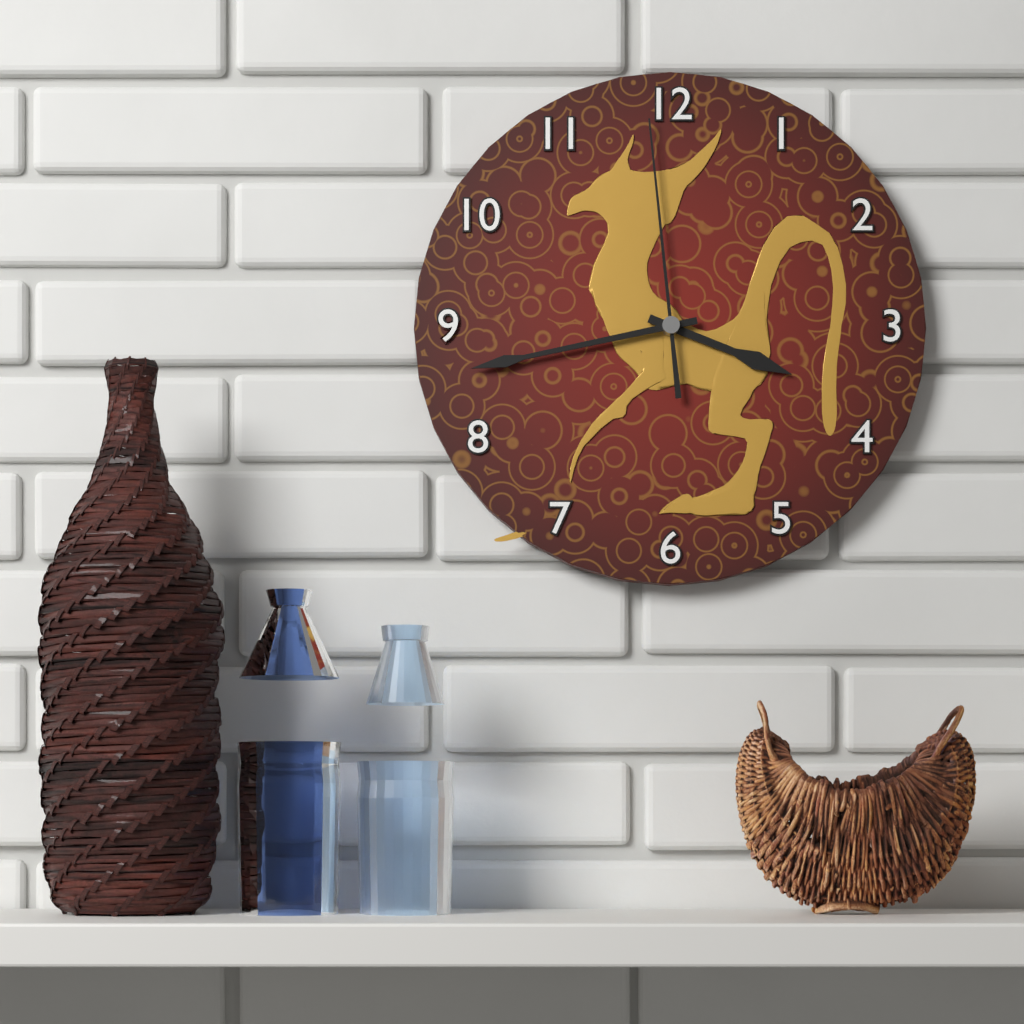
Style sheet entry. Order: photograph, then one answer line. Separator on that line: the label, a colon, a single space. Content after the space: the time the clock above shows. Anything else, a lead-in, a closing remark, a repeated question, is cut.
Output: 3:43:59
